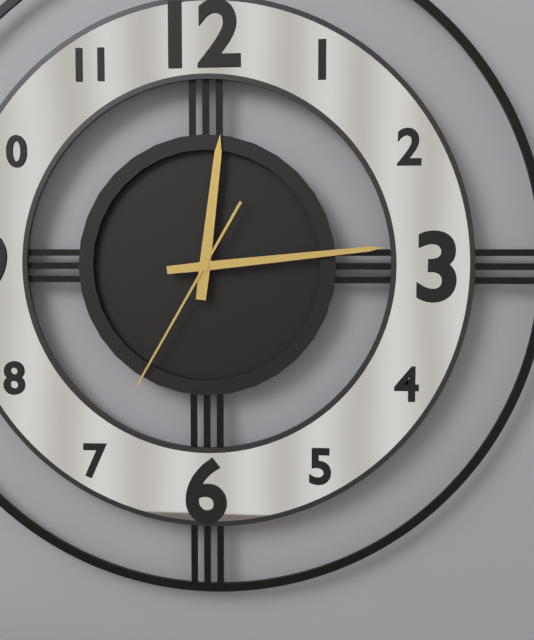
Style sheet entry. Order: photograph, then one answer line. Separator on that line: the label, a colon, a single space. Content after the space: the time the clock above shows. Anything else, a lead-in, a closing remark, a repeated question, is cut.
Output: 12:14:35
